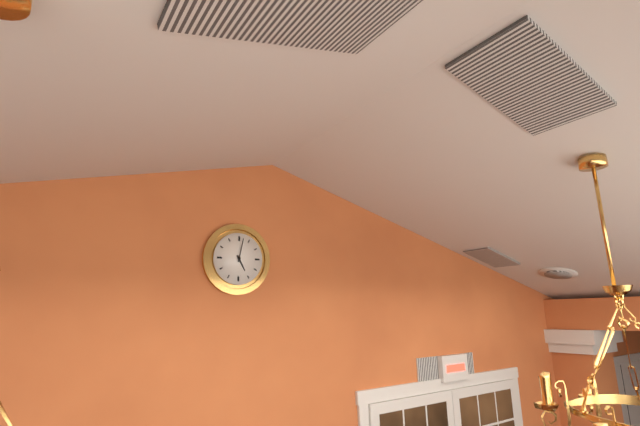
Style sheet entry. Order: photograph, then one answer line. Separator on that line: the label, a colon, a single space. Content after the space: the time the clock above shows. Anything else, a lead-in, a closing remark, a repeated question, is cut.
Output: 5:02
